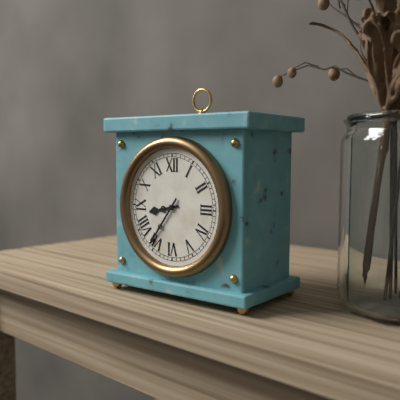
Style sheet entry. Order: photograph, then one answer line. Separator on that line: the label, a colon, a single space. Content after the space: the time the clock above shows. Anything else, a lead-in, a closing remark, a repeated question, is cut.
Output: 8:36
